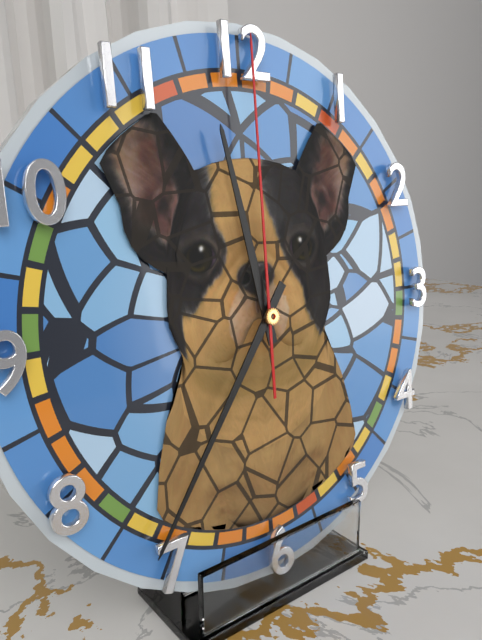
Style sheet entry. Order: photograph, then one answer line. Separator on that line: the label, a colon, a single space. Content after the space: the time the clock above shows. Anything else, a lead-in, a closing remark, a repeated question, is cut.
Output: 11:36:00
